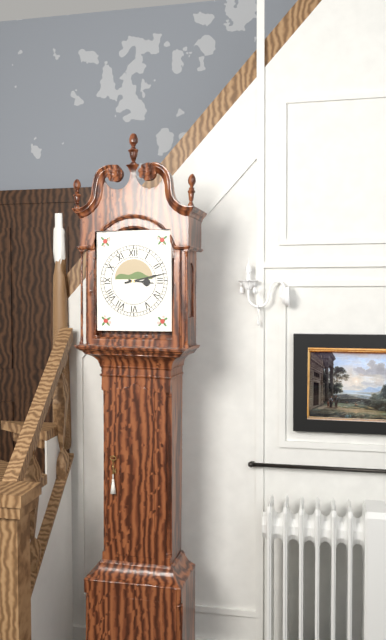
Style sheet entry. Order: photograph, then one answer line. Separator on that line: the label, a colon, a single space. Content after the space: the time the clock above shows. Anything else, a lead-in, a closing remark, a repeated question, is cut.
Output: 3:13
